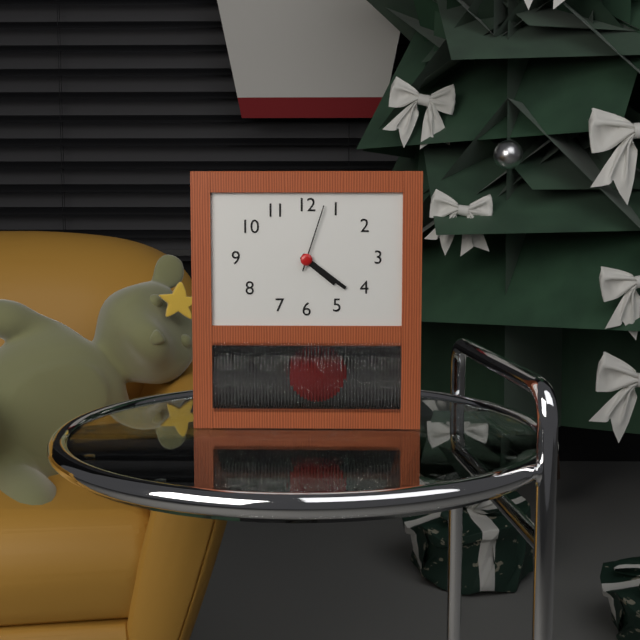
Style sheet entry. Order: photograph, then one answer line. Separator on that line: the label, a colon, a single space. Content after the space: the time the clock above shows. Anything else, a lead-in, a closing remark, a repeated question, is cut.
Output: 4:21:03
